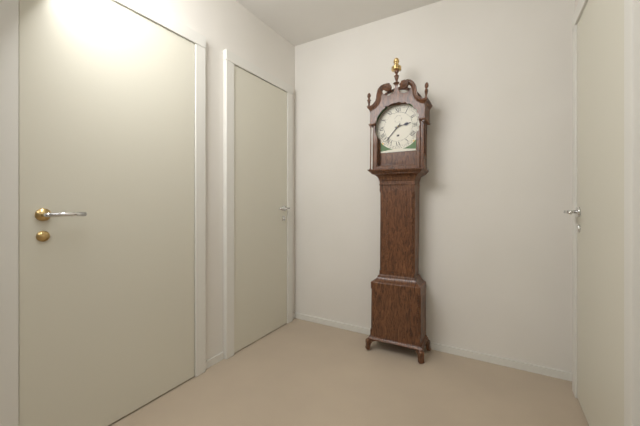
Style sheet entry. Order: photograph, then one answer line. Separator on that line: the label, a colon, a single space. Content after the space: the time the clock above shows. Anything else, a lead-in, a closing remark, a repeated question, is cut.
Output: 2:37
